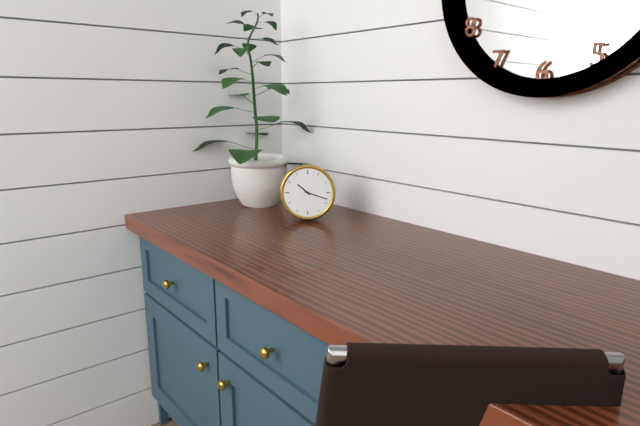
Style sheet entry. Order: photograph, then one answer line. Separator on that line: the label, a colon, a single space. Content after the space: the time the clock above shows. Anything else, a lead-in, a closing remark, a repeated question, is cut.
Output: 10:18
